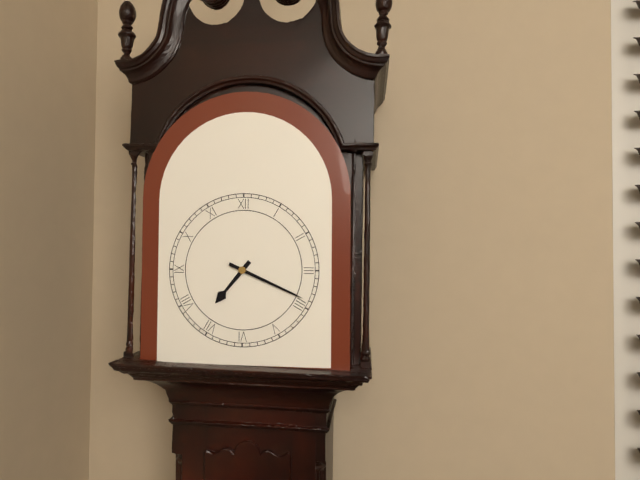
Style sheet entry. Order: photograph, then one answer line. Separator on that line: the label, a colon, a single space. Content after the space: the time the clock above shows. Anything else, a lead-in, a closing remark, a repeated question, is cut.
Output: 7:19
